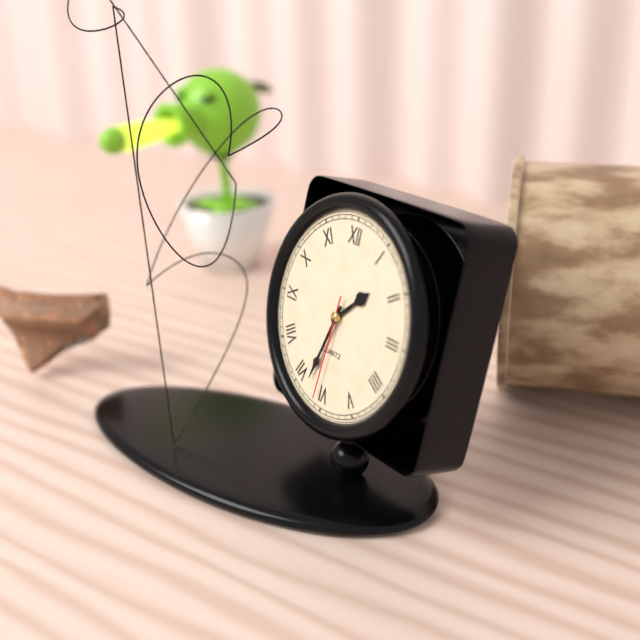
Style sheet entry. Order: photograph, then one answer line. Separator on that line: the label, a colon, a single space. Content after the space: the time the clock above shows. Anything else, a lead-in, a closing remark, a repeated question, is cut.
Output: 1:33:31
